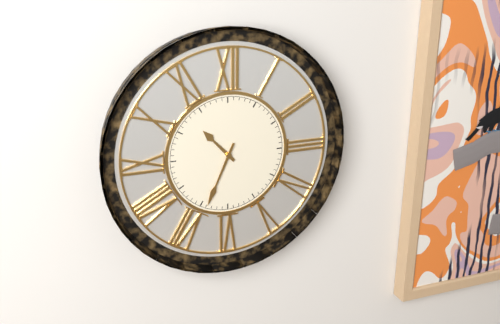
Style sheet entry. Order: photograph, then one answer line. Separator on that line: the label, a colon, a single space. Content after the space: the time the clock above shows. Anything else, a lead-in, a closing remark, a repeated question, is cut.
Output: 10:34
